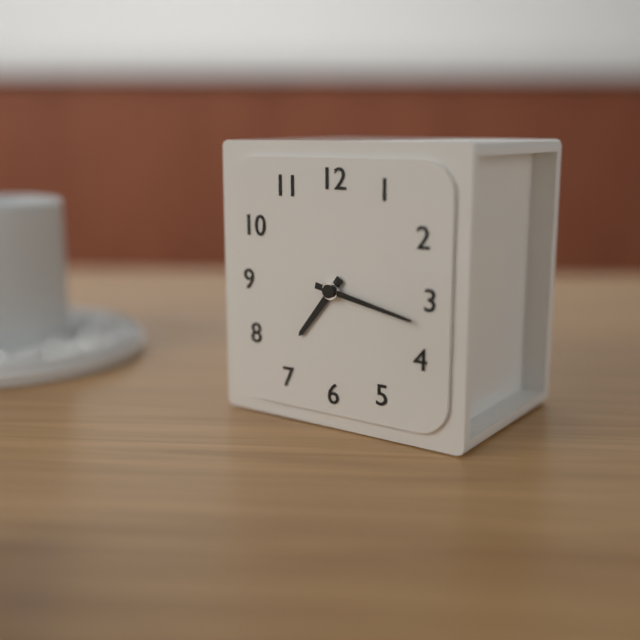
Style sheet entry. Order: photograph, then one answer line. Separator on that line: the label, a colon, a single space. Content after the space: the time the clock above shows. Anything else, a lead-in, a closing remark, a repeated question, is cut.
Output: 7:17
